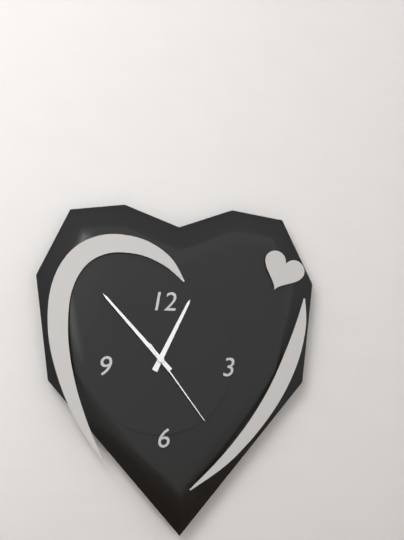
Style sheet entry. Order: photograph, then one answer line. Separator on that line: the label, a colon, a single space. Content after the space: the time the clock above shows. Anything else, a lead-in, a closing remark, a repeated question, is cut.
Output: 12:53:24
